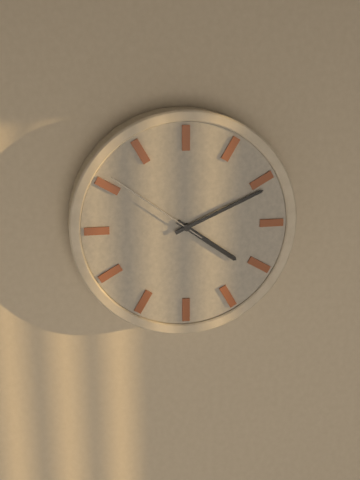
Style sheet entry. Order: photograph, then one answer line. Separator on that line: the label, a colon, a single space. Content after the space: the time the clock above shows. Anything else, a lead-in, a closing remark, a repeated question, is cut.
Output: 4:11:51
